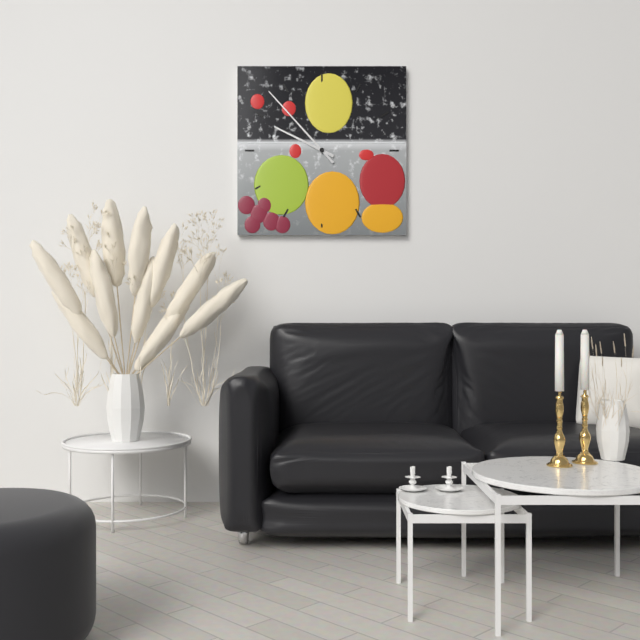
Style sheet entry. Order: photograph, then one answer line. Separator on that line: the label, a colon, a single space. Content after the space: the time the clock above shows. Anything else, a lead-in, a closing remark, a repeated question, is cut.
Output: 9:53
